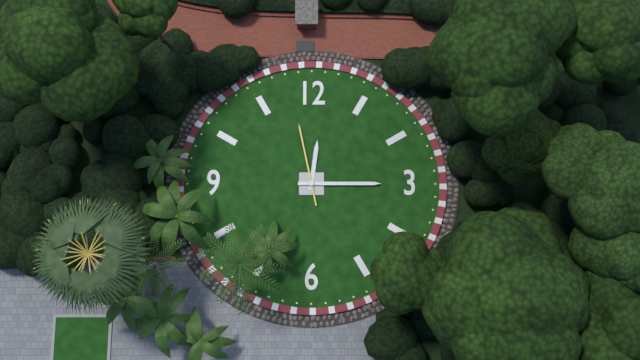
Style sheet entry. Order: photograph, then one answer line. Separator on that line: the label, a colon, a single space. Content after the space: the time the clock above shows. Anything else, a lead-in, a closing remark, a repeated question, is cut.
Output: 12:15:58
